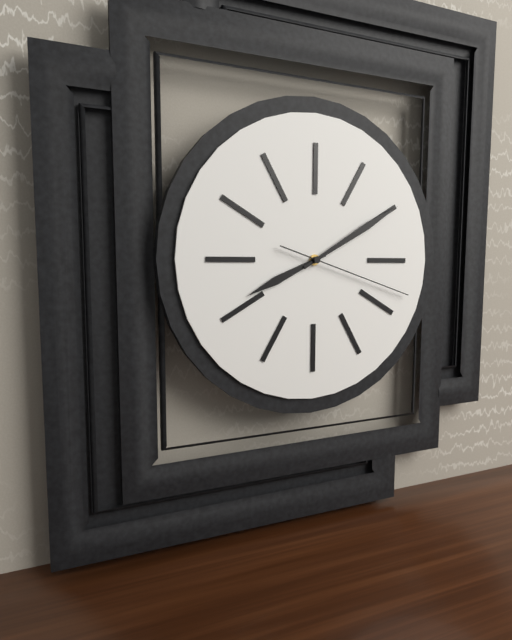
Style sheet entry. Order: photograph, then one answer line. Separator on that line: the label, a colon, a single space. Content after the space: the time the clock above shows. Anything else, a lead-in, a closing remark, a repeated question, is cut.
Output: 8:10:18
